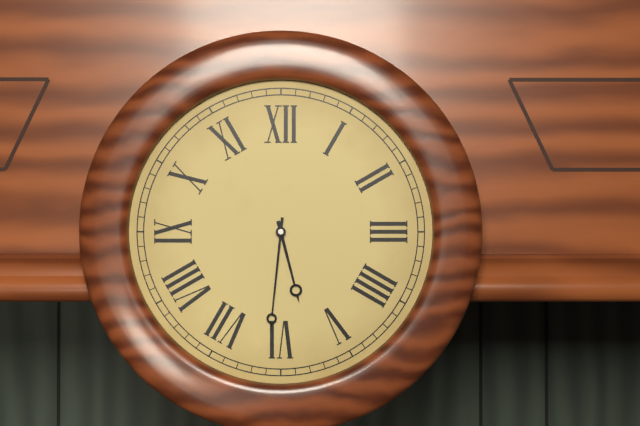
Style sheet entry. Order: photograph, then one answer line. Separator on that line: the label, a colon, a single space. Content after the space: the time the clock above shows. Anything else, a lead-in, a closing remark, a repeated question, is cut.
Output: 5:31
